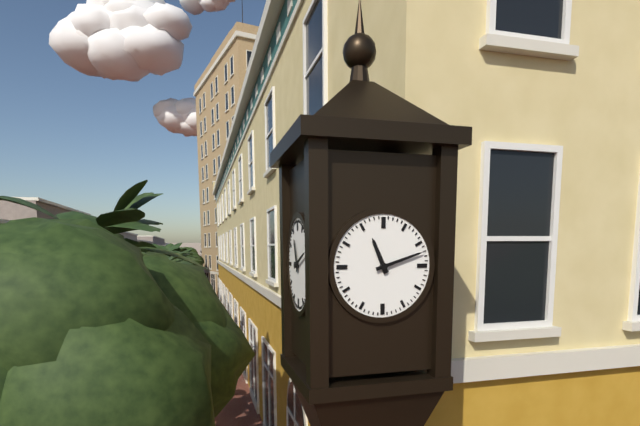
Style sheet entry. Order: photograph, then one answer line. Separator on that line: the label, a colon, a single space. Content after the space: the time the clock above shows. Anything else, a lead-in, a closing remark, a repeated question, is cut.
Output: 11:12
